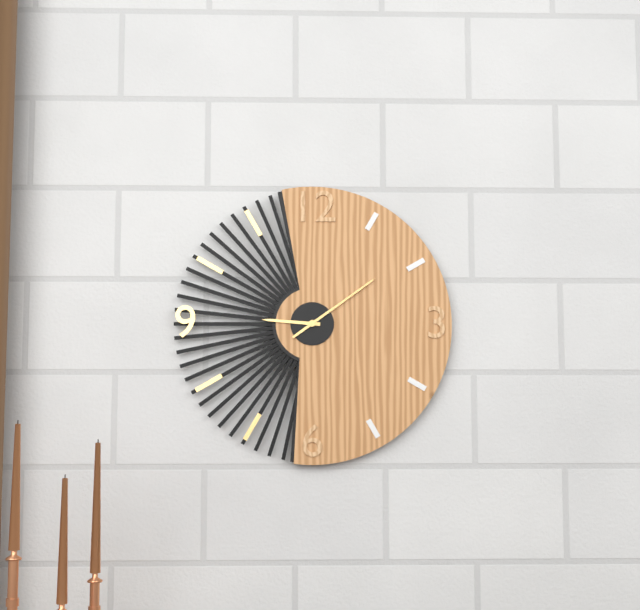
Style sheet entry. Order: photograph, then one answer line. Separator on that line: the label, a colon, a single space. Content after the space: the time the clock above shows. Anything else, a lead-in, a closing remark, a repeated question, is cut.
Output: 9:09
